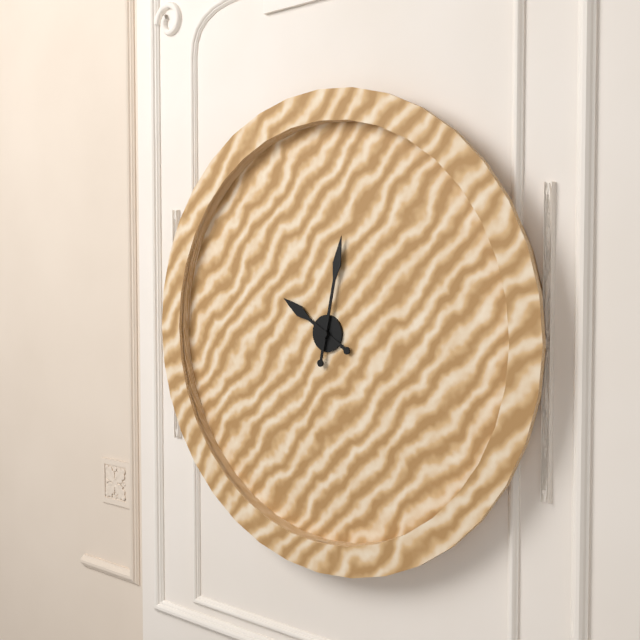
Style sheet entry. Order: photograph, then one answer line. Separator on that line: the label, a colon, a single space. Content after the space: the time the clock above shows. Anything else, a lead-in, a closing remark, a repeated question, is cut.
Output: 10:02
